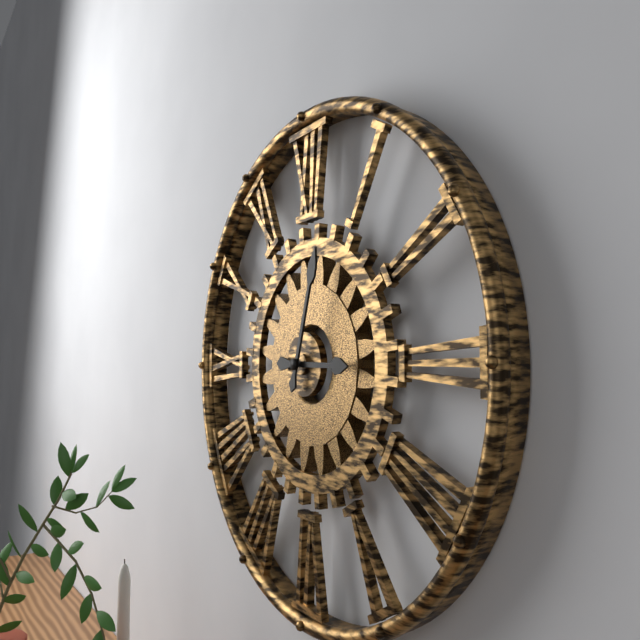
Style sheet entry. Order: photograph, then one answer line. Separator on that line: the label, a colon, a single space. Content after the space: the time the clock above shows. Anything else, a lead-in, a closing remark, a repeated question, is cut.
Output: 3:03
